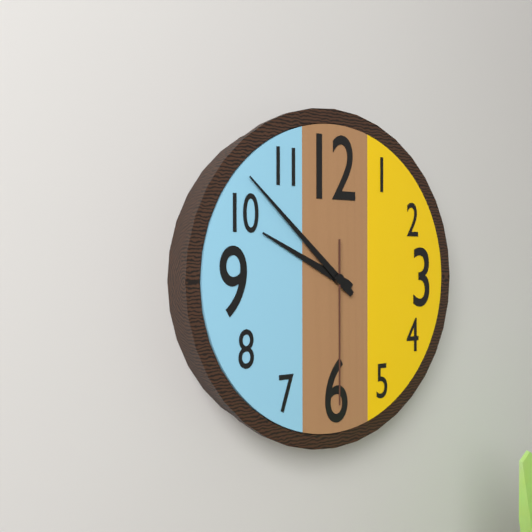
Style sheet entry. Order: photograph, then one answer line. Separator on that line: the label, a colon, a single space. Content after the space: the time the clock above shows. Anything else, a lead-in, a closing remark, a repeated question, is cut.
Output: 9:52:30
